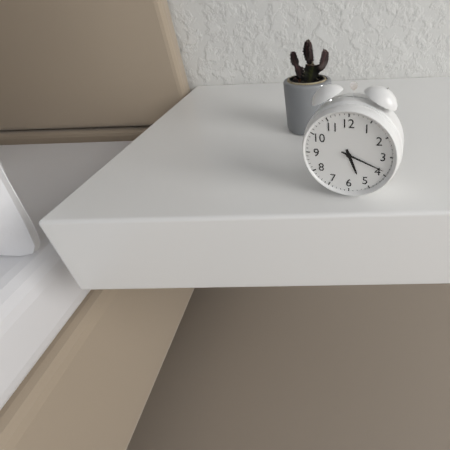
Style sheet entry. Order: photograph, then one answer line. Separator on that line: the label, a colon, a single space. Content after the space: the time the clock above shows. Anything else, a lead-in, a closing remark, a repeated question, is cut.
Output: 5:19
